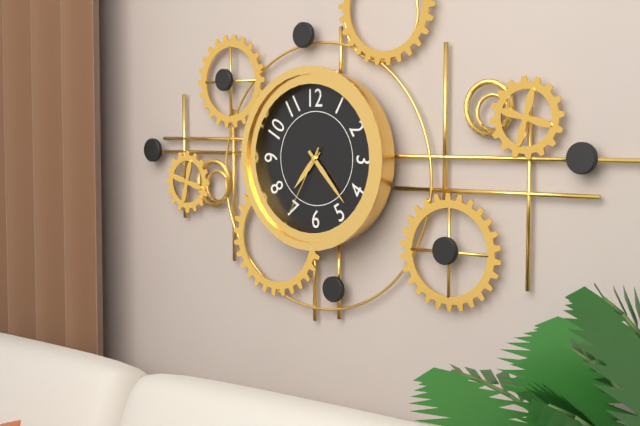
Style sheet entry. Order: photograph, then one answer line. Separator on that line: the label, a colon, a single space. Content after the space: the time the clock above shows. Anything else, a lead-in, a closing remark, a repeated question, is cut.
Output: 7:23:35
